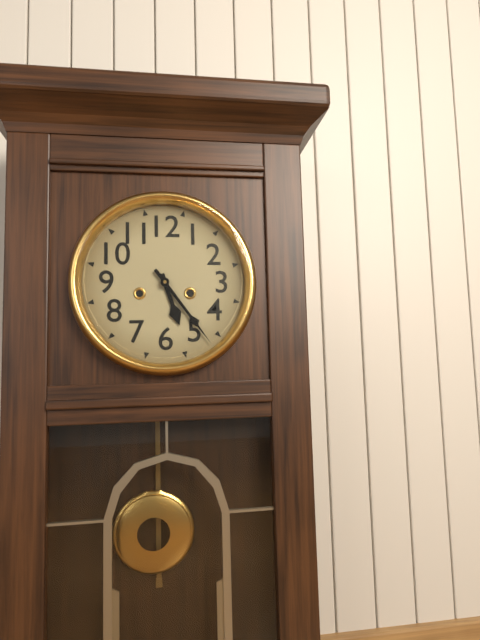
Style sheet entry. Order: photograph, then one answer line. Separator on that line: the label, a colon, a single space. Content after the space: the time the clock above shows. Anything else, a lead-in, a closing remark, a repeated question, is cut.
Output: 5:24
